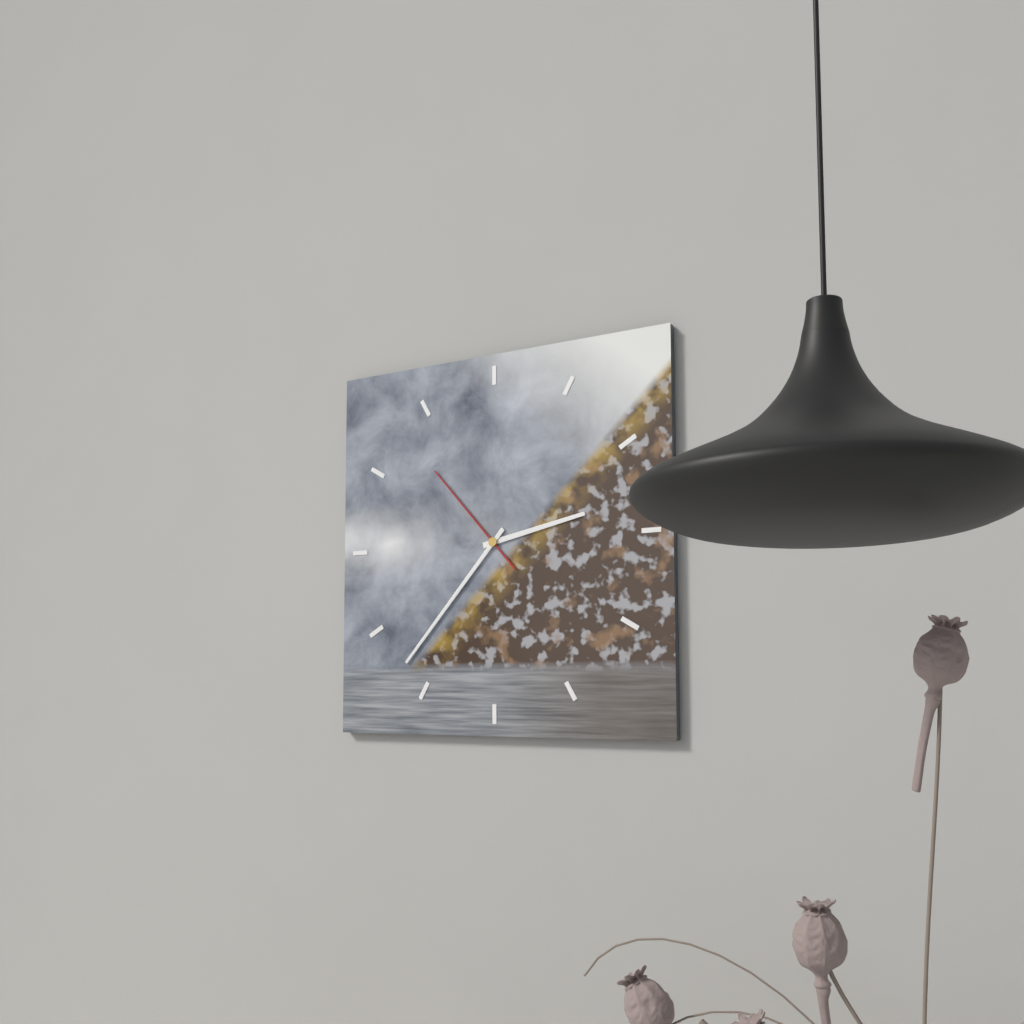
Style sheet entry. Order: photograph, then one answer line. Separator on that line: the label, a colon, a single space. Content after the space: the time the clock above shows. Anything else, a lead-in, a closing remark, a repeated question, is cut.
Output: 2:37:53
